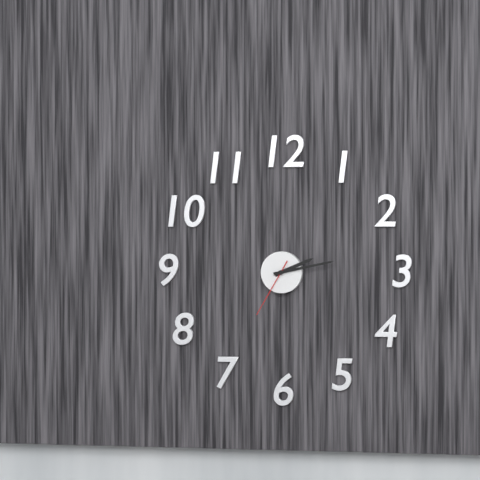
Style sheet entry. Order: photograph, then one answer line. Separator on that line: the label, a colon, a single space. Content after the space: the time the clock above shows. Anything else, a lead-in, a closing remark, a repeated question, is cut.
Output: 2:13:35
